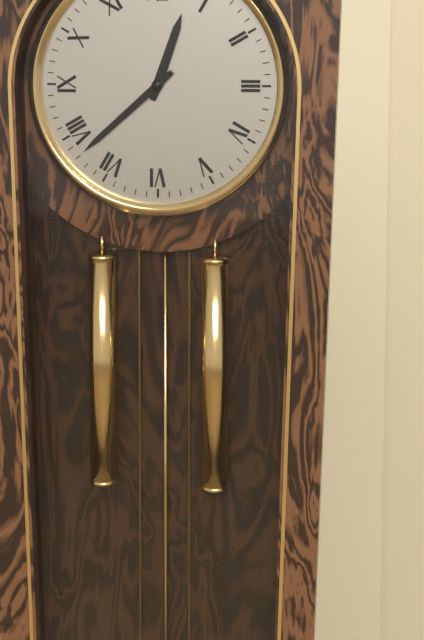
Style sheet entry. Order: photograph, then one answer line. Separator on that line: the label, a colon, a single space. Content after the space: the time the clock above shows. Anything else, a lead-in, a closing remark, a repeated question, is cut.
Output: 12:38
